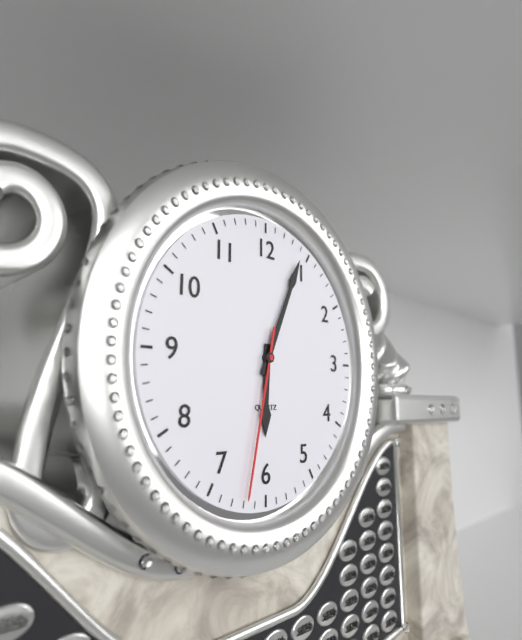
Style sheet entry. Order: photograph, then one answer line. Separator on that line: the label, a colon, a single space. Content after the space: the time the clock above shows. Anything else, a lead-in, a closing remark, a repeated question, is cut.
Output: 6:04:32
